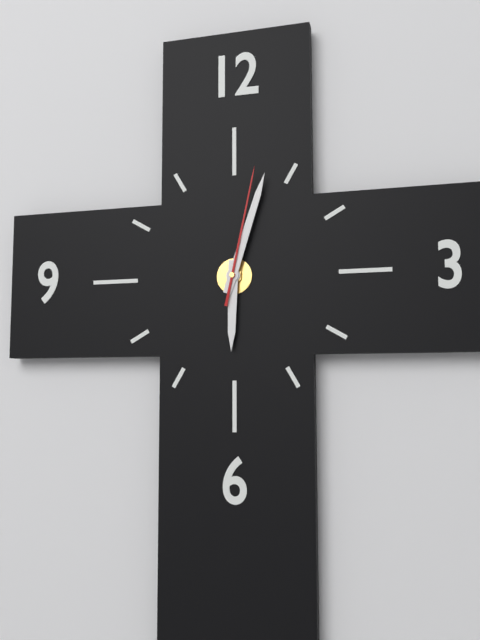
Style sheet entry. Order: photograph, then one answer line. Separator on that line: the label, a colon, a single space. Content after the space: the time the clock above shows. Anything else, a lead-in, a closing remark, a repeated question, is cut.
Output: 6:03:02
